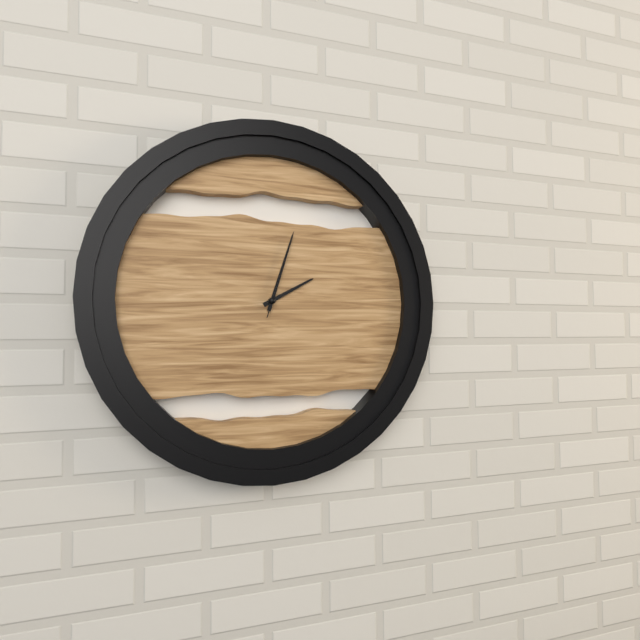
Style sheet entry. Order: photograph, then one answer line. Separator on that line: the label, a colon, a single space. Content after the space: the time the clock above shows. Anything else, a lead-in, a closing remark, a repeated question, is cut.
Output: 2:03:03
